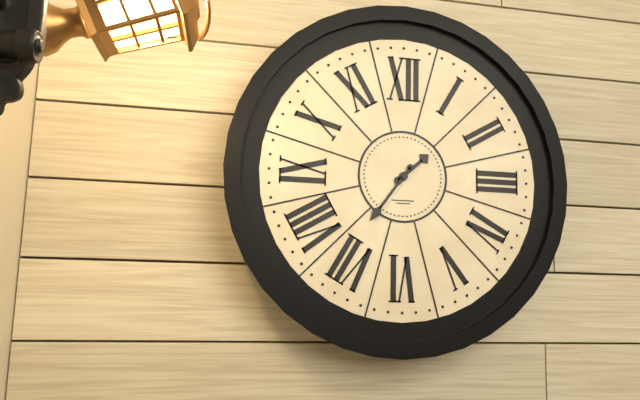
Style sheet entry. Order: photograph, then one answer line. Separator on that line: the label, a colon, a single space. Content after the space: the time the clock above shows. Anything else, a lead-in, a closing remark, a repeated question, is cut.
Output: 1:36
